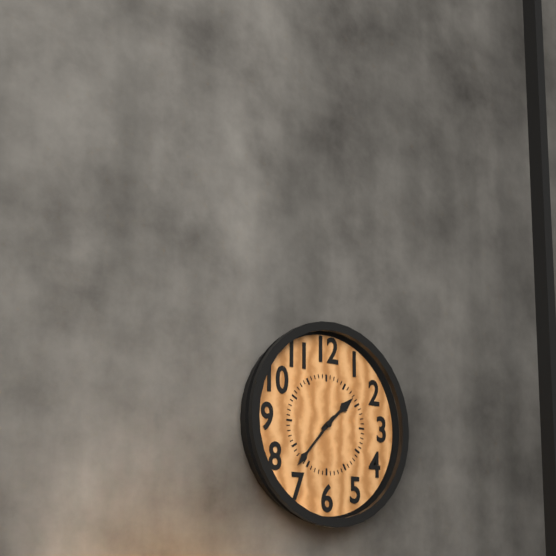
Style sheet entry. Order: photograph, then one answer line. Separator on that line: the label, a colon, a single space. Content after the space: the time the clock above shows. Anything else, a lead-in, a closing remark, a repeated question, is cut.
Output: 1:37
